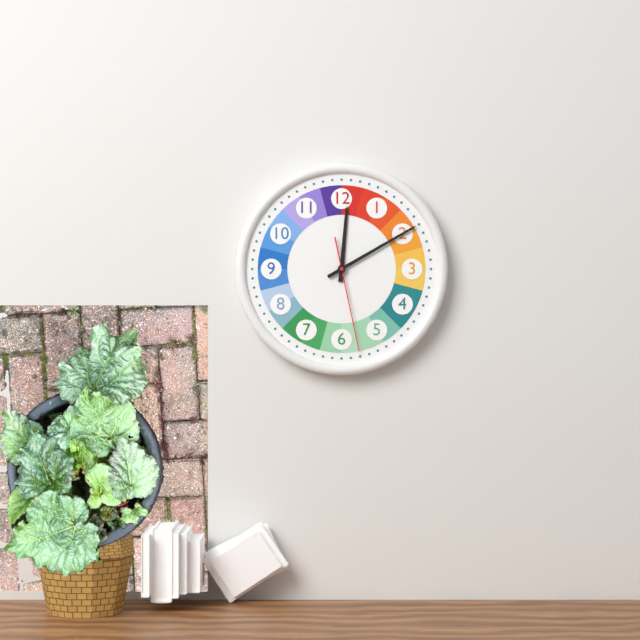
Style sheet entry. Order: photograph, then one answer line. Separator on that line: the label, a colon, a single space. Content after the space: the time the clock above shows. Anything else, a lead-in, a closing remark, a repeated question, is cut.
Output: 12:10:28
